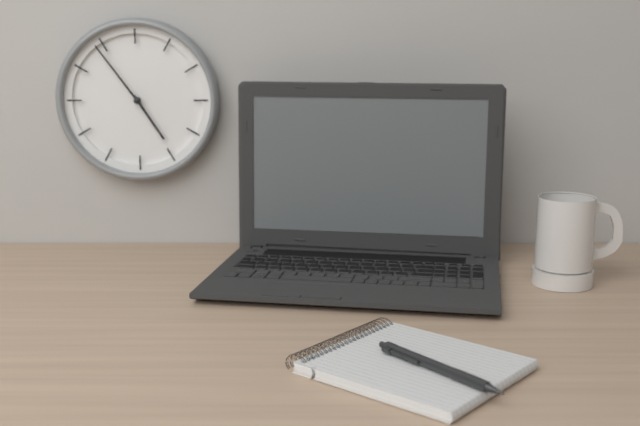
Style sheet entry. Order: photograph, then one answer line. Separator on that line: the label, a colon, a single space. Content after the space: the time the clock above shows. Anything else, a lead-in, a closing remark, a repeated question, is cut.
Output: 4:54
